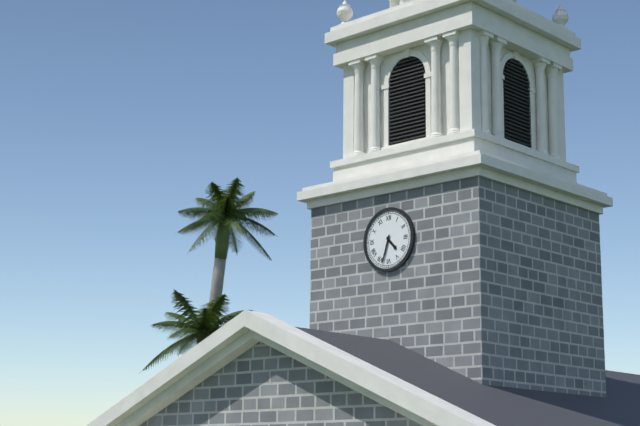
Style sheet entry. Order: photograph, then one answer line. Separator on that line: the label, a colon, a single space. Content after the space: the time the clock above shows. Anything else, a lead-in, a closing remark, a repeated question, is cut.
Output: 4:33
